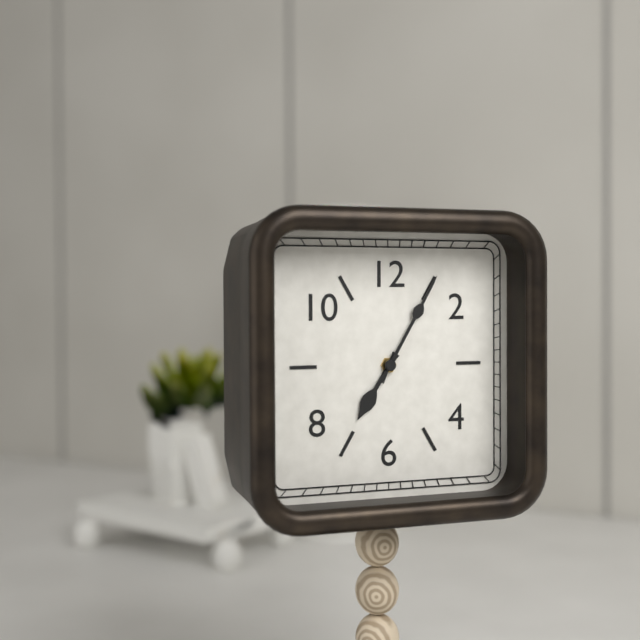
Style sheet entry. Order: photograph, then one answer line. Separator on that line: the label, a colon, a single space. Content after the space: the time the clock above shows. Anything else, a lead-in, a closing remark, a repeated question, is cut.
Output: 7:05
